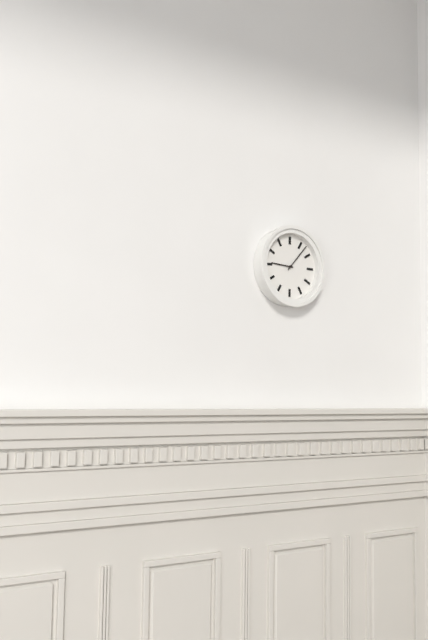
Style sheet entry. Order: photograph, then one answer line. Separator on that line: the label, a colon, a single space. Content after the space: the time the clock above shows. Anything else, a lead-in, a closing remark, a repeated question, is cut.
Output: 9:07
